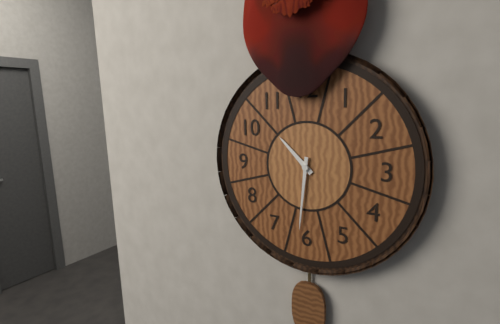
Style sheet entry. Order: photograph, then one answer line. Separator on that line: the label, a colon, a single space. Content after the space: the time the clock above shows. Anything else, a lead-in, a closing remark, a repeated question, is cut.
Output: 10:31
